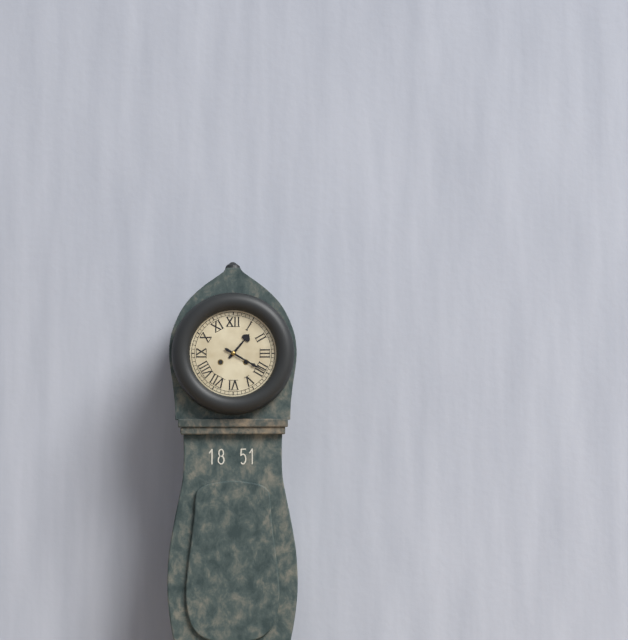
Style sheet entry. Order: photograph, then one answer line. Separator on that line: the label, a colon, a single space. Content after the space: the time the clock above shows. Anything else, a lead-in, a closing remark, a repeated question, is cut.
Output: 1:20
